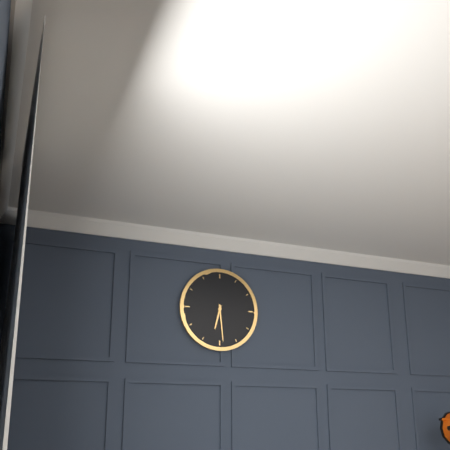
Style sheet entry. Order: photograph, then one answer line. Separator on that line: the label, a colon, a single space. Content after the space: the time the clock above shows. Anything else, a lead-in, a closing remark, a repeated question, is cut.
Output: 6:29
